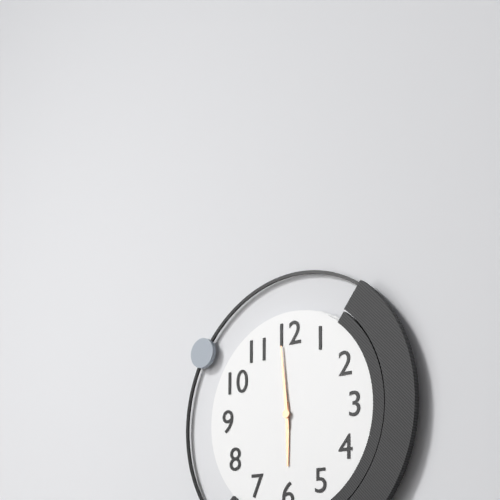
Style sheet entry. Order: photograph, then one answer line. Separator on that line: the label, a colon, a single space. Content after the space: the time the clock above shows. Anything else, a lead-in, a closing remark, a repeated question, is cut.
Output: 5:59
